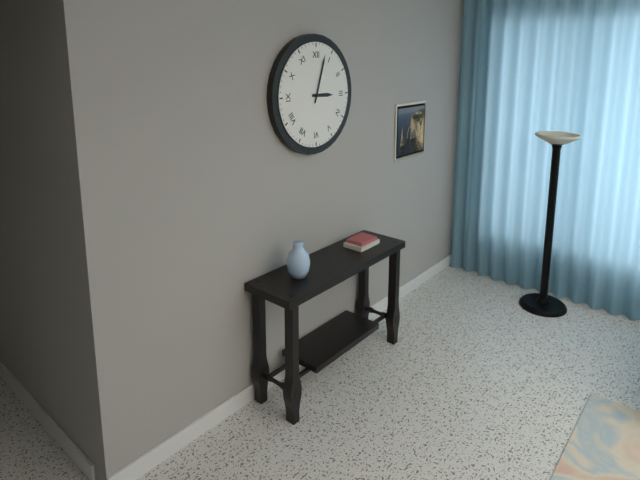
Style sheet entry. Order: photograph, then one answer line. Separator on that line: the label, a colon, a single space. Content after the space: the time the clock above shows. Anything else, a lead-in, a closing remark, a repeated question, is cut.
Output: 3:03
